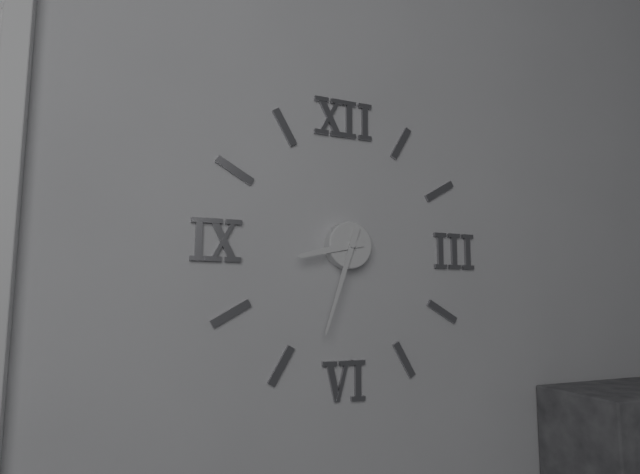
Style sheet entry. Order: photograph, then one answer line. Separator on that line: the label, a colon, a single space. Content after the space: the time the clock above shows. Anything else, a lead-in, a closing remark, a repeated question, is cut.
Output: 8:33
